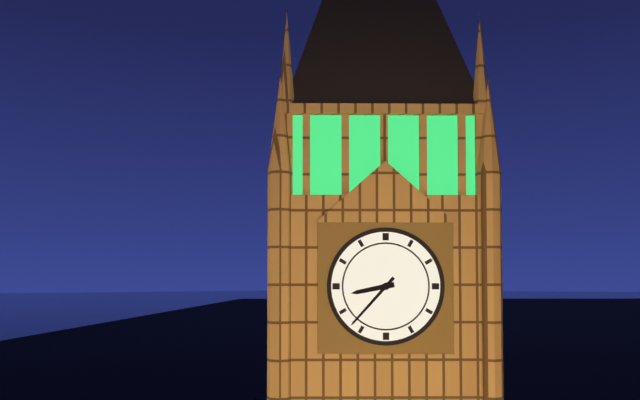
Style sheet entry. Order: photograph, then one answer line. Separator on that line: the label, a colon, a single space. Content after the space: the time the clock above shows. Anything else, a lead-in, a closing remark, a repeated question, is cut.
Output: 8:37
